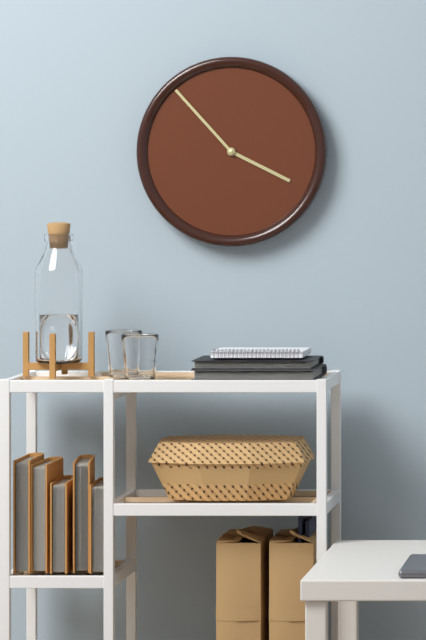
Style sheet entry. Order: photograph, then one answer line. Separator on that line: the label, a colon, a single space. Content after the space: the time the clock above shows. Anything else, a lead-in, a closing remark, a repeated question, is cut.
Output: 3:53
